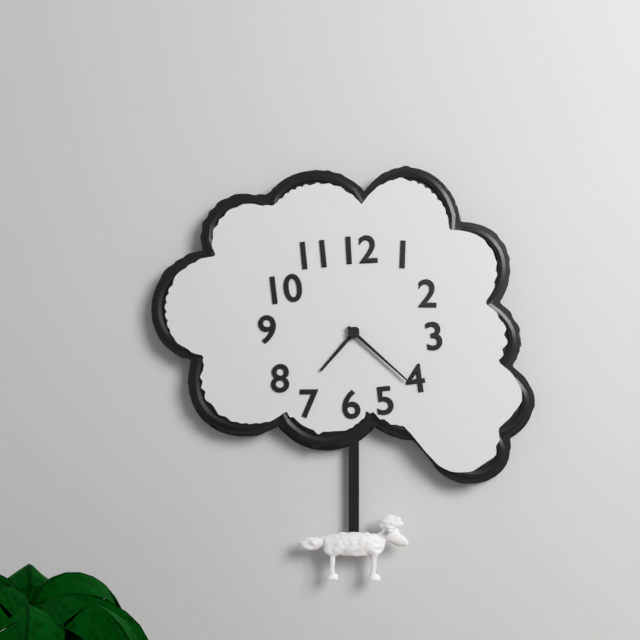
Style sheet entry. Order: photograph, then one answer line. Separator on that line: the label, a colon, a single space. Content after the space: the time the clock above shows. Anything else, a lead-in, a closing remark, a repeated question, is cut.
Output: 7:22
